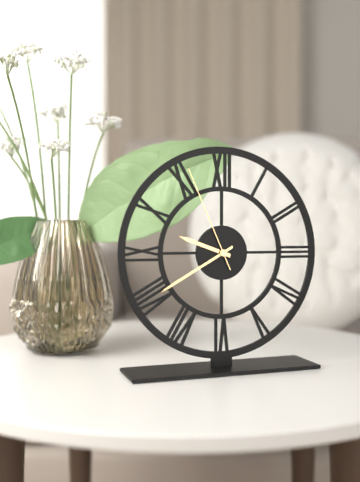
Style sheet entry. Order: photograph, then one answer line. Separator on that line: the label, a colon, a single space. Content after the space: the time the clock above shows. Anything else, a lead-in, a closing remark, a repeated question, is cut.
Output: 9:40:56
